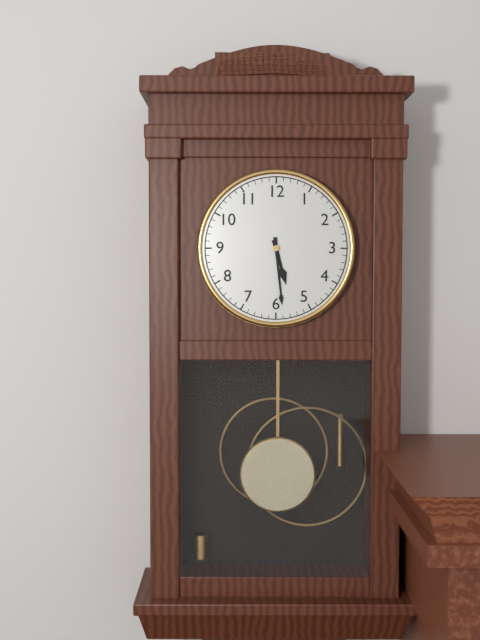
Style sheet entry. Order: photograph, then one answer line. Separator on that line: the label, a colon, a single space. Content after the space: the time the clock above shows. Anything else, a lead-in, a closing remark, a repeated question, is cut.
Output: 5:29
